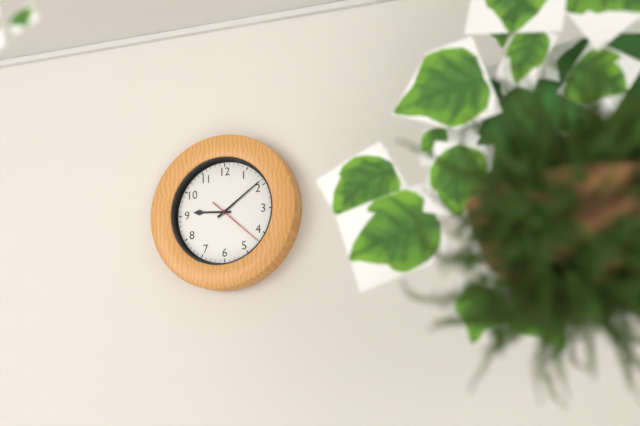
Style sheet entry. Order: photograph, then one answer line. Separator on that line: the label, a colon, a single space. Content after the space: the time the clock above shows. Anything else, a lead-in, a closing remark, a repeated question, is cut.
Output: 9:09:22
